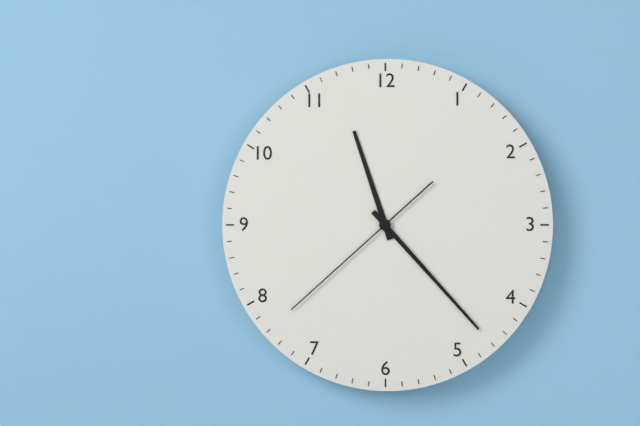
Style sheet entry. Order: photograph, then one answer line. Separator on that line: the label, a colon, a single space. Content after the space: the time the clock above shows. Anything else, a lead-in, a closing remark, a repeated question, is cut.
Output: 11:23:38
